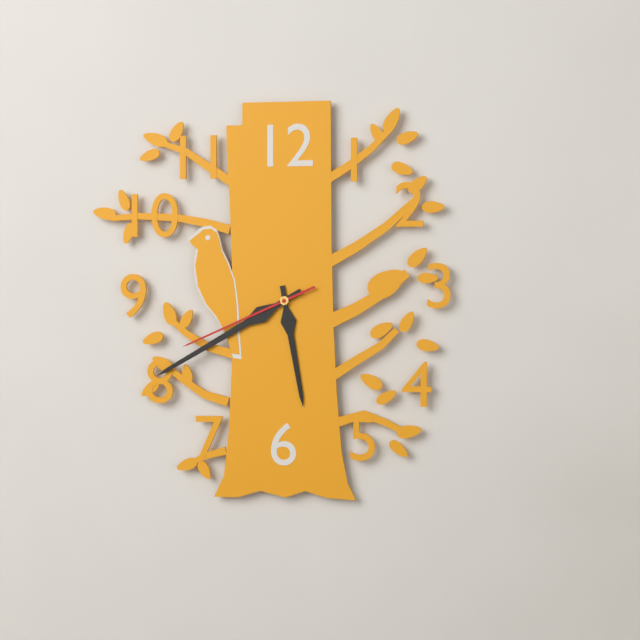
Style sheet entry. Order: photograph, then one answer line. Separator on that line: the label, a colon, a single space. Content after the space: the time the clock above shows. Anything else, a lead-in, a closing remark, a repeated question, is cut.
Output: 5:40:41
